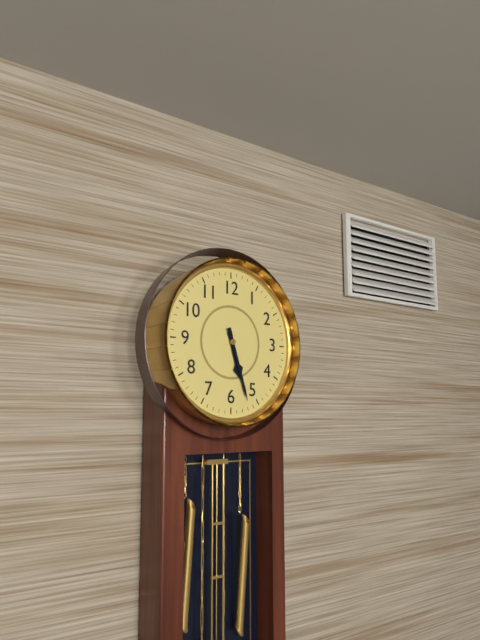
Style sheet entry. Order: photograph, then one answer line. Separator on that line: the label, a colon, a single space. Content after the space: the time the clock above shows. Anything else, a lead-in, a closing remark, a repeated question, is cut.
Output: 5:27
